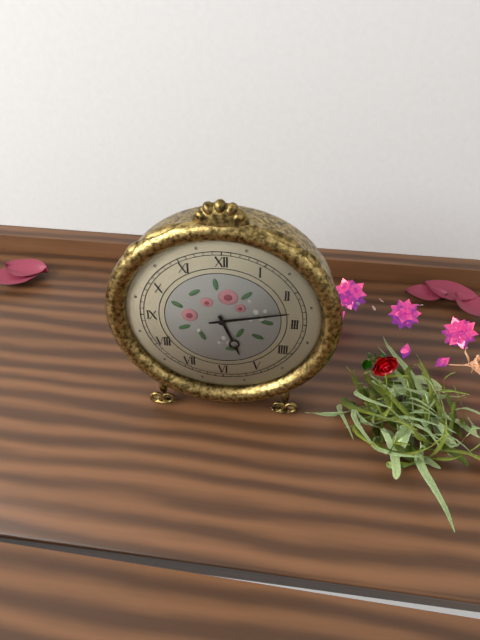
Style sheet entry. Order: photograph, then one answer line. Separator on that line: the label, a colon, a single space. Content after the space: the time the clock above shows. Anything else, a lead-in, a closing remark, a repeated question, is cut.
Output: 5:13
